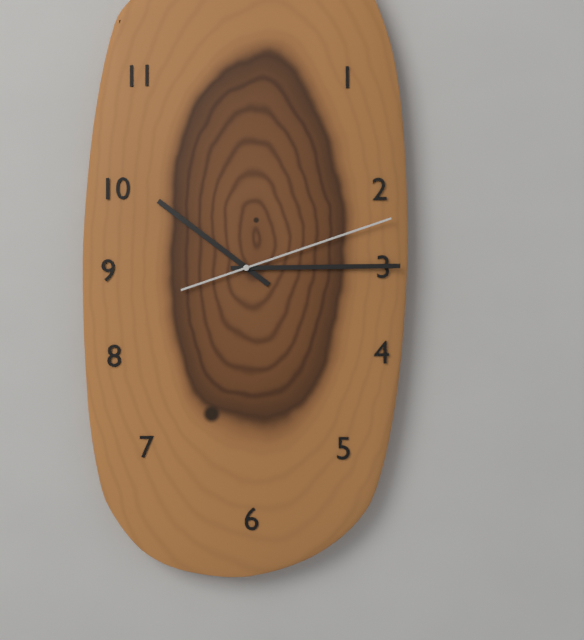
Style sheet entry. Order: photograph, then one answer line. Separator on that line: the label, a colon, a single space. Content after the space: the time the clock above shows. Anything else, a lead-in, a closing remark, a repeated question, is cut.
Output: 10:15:12
